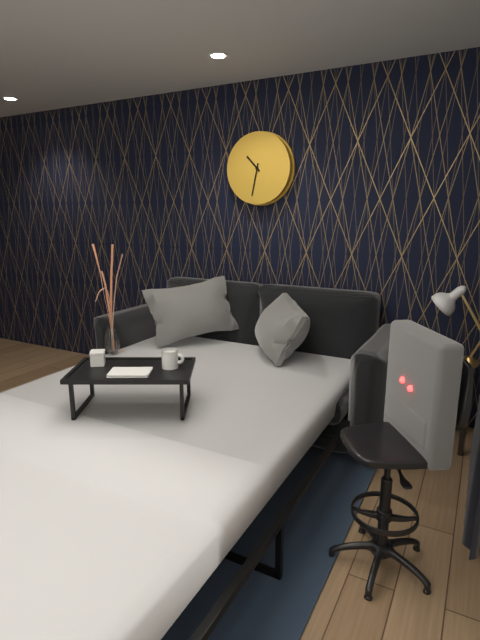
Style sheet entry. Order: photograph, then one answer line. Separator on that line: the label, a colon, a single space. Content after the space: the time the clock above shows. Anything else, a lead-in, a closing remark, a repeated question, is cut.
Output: 10:32
